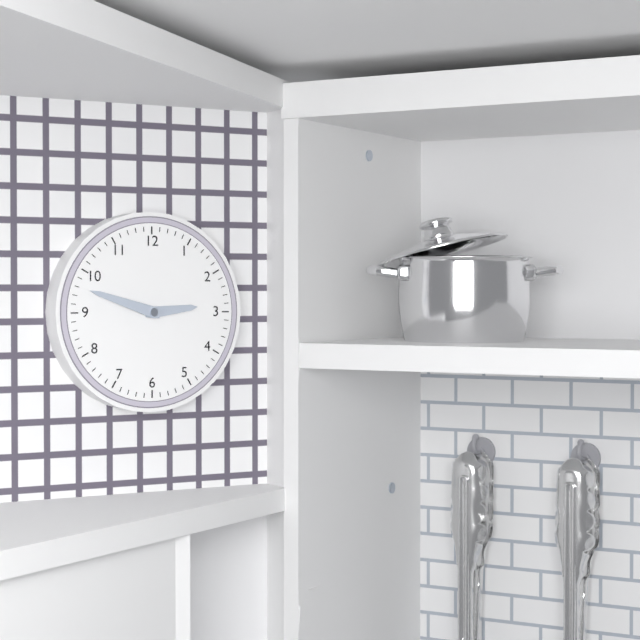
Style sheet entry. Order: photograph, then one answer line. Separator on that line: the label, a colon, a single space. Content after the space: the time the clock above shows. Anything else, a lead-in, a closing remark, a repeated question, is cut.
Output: 2:48
